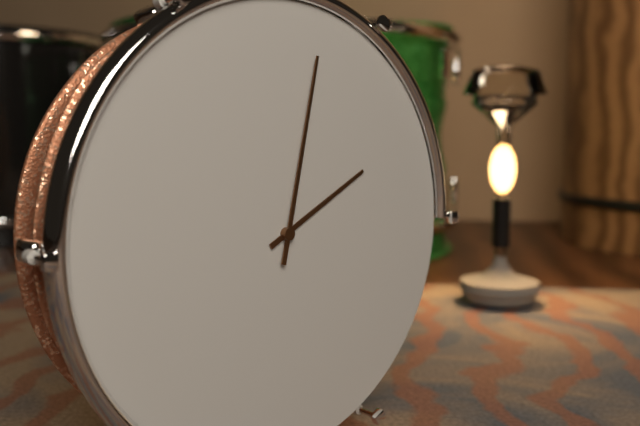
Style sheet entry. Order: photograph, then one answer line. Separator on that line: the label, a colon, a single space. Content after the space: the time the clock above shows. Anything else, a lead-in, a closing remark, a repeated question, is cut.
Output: 2:02
